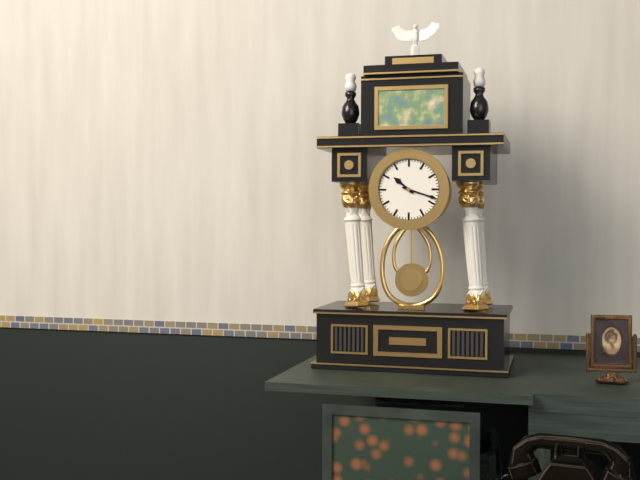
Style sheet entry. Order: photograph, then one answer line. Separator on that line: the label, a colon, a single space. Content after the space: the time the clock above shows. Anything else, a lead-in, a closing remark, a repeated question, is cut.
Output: 10:18
